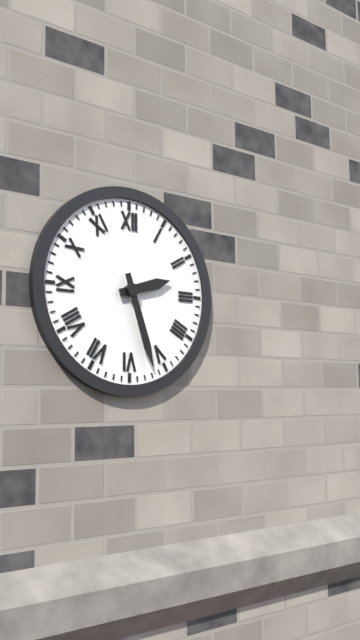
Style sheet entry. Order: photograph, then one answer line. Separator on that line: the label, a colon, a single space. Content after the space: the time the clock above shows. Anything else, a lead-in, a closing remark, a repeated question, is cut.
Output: 2:27
